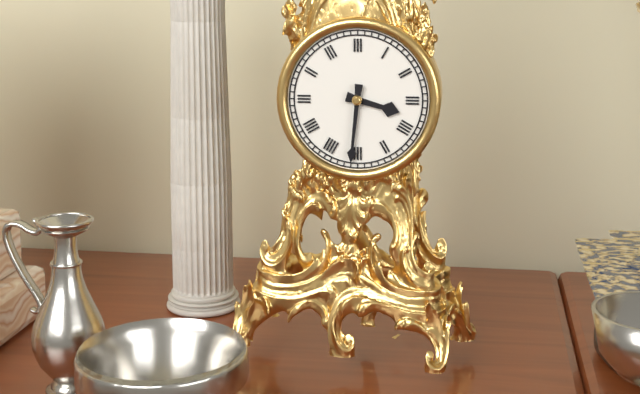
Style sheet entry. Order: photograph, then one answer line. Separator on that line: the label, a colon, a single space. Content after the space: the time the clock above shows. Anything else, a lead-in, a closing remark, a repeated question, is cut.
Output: 3:31
